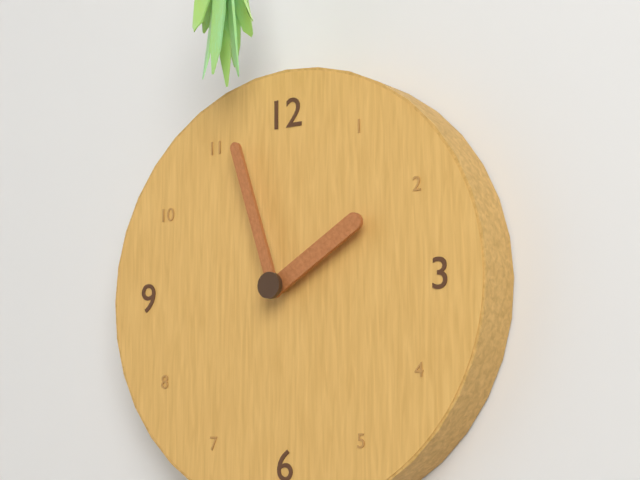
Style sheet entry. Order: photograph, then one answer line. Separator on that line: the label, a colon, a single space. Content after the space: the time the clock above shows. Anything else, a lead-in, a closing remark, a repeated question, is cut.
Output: 1:57
